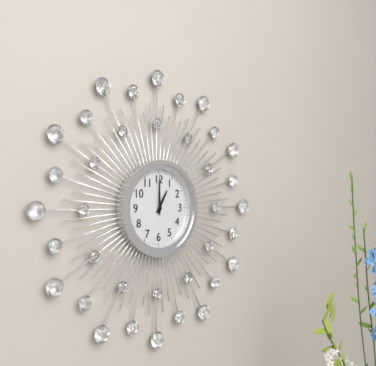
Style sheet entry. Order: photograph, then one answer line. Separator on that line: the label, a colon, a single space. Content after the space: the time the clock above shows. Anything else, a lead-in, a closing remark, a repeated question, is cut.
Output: 1:00
